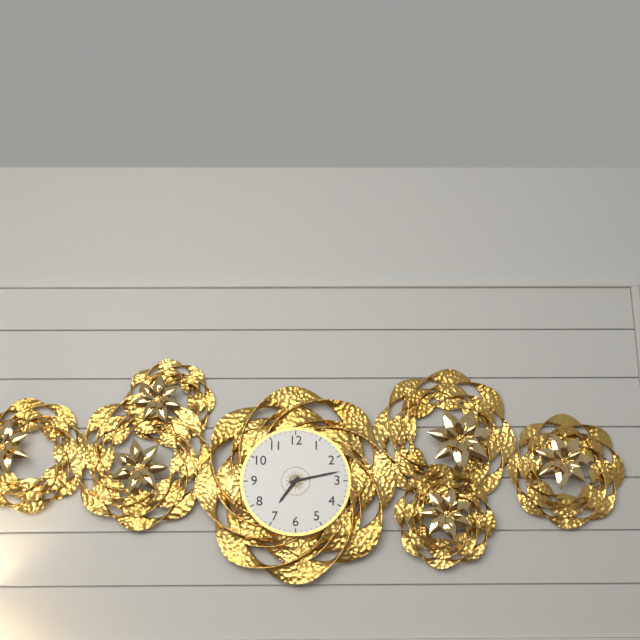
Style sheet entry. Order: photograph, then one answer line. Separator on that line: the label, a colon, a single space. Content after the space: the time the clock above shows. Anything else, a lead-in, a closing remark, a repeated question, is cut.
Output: 7:13
